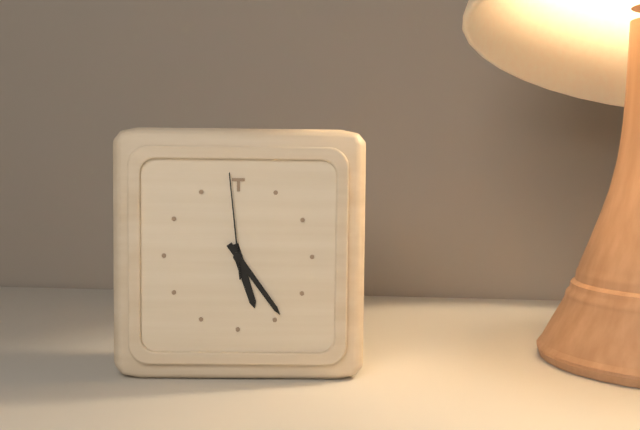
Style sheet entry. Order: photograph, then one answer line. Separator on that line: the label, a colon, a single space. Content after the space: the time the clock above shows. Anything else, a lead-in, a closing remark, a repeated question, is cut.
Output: 5:24:59
